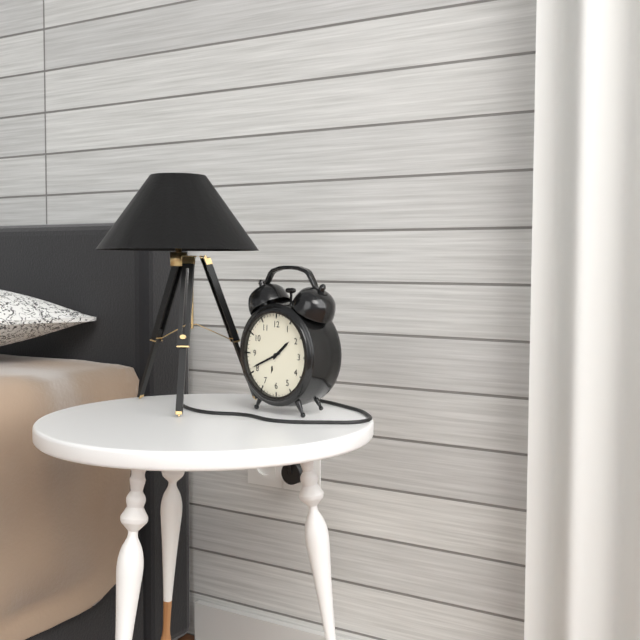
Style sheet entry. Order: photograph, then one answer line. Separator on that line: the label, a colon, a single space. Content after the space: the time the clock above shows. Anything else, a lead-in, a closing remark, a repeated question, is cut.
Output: 1:41
